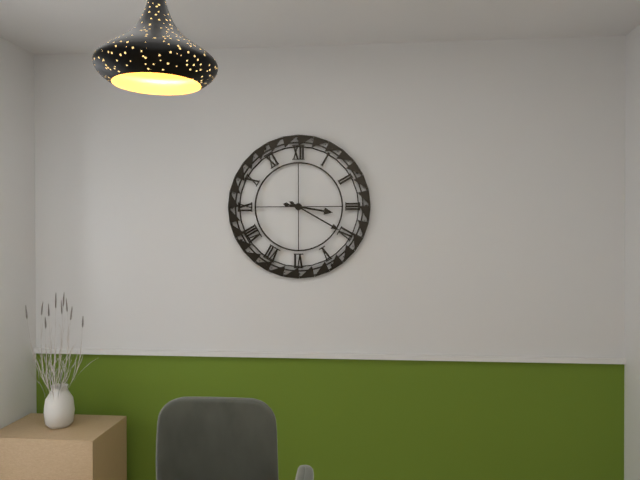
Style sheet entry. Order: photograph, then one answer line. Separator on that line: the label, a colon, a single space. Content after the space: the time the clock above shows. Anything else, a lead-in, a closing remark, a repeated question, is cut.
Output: 3:20
